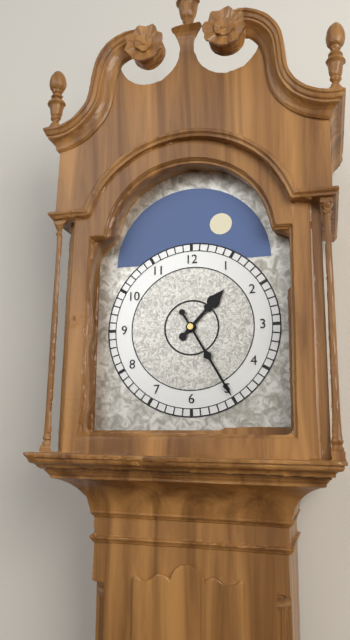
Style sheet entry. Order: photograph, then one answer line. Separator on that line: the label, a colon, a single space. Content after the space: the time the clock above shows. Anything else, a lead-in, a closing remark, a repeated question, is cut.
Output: 1:25
